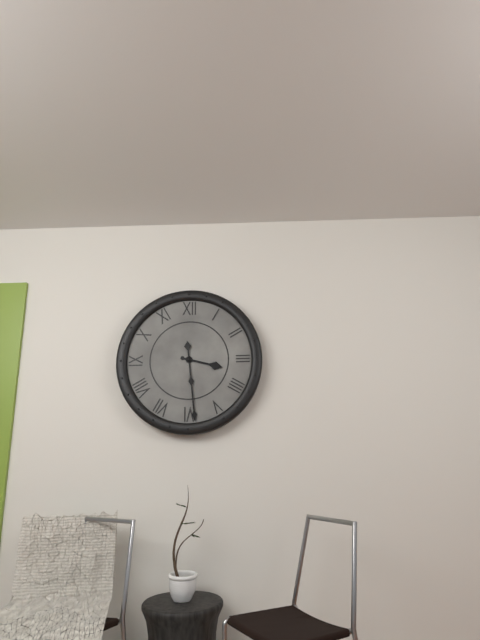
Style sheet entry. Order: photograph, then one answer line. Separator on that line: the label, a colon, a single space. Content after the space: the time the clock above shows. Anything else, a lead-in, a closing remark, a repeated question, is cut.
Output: 3:29
